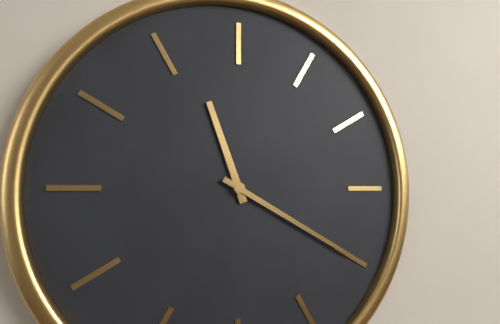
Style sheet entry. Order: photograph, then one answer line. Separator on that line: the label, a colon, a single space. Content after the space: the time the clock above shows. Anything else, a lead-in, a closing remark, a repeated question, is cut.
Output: 11:20
